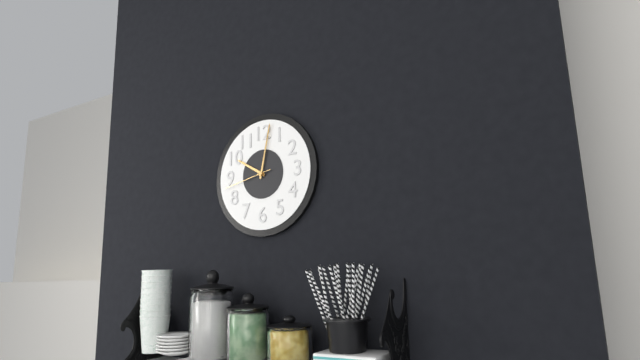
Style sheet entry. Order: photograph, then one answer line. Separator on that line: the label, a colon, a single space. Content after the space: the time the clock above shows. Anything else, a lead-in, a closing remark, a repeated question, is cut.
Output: 10:02
